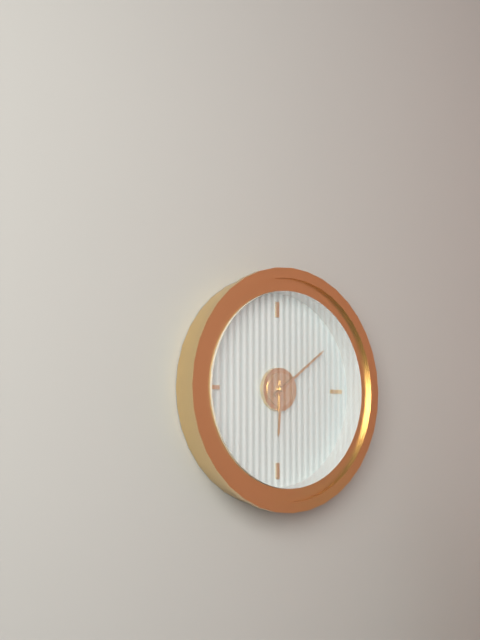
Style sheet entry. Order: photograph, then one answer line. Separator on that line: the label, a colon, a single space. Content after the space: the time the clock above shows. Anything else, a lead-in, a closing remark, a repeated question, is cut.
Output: 6:09
